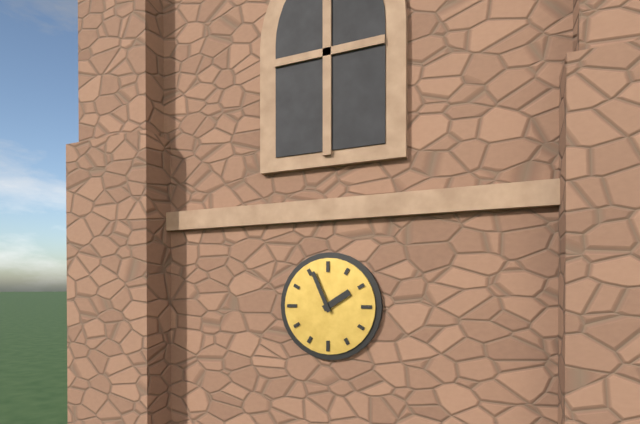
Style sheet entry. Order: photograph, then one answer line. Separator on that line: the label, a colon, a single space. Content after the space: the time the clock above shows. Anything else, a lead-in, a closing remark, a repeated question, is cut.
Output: 1:56
